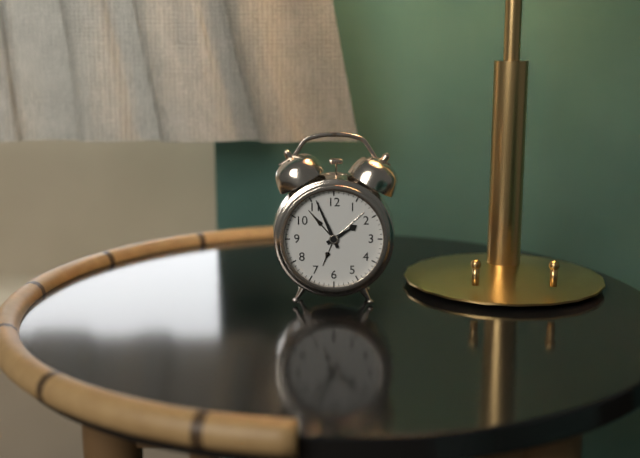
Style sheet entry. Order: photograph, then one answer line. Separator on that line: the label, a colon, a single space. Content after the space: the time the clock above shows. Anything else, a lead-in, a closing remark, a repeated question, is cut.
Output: 1:56
